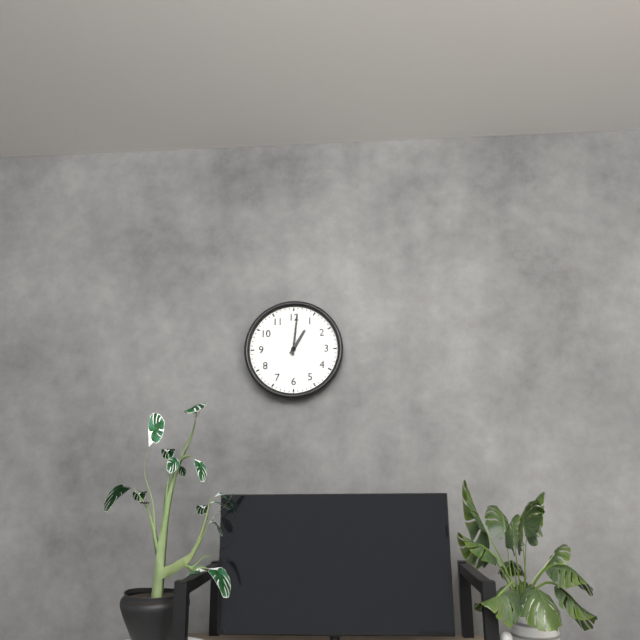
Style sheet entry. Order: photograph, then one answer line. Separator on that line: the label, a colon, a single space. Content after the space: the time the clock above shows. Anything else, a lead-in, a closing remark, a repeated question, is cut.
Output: 1:01
